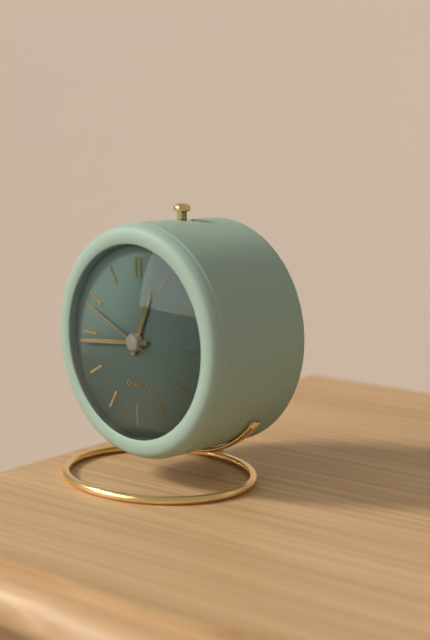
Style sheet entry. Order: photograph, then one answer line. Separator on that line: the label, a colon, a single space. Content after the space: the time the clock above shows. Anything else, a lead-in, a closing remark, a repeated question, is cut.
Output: 12:44:49
